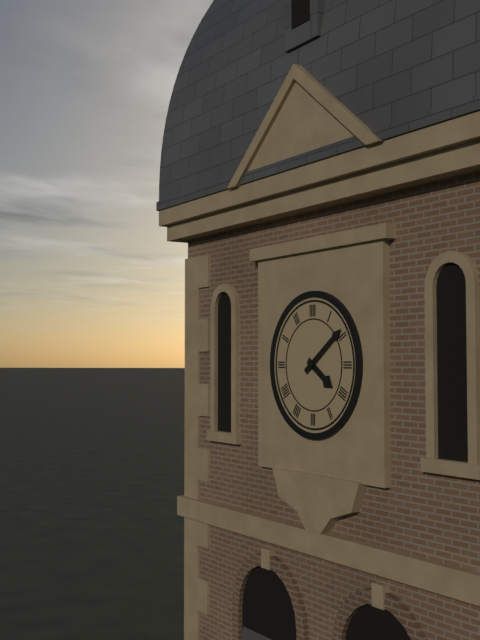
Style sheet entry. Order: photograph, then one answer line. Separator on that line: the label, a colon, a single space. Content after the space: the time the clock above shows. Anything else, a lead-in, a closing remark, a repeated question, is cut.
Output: 4:09
